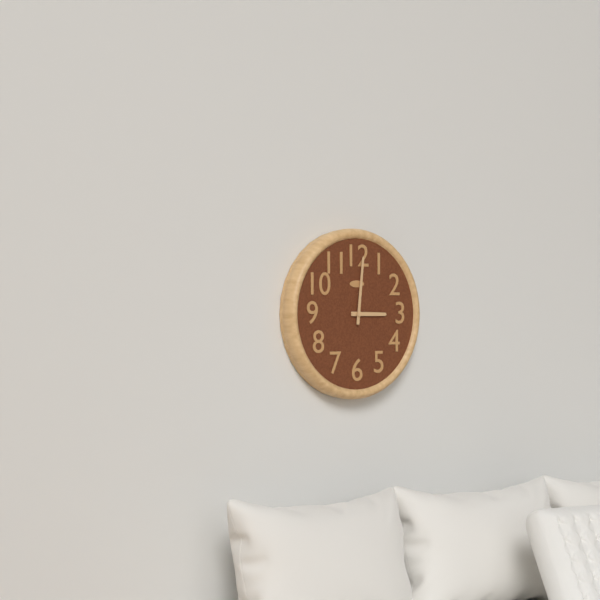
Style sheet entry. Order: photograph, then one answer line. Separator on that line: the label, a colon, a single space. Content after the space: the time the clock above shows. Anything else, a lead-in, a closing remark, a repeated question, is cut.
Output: 3:01
